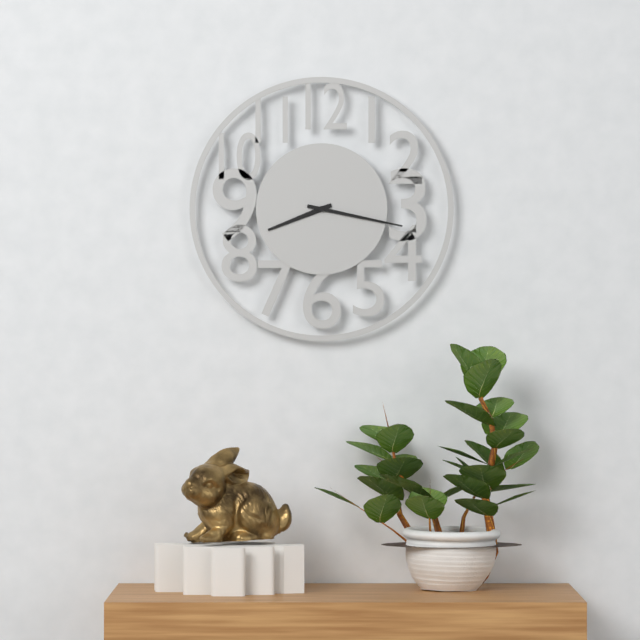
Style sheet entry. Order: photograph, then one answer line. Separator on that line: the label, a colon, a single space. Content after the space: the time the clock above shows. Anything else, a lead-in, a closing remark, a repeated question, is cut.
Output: 8:17
